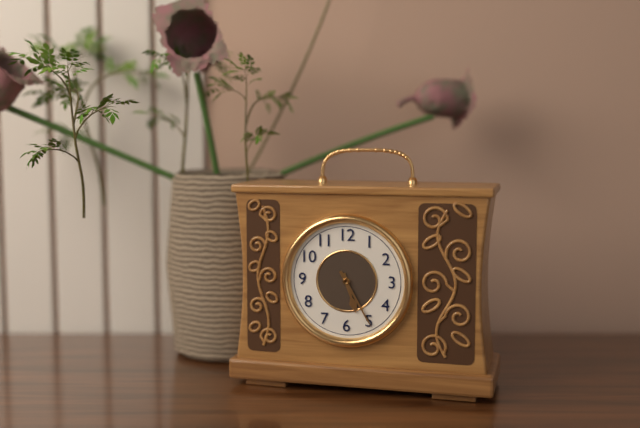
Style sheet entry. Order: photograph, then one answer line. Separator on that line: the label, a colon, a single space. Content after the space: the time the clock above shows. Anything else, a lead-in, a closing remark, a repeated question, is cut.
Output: 5:25
